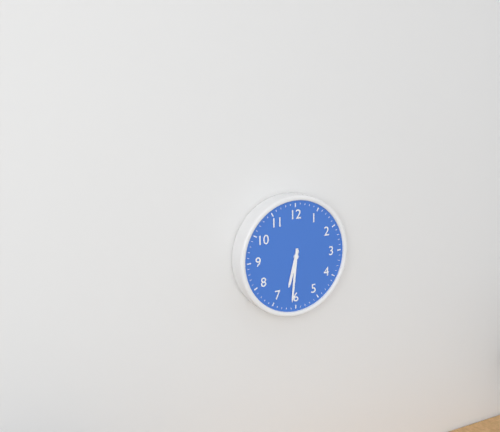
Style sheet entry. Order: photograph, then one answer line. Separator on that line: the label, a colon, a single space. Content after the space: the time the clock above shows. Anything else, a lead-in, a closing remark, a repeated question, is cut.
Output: 6:31
